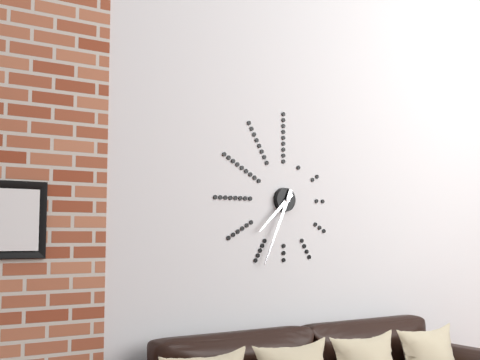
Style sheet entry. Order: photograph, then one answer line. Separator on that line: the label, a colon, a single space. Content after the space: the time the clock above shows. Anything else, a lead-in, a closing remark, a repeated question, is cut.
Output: 7:34
